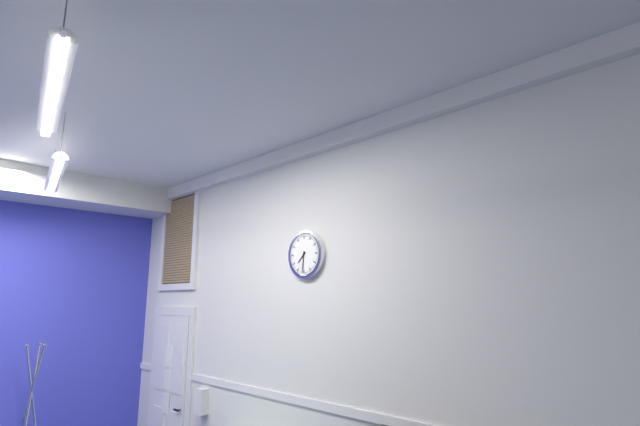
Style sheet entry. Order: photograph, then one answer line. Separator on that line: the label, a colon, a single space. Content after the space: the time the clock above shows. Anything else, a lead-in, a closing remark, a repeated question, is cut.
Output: 7:31
